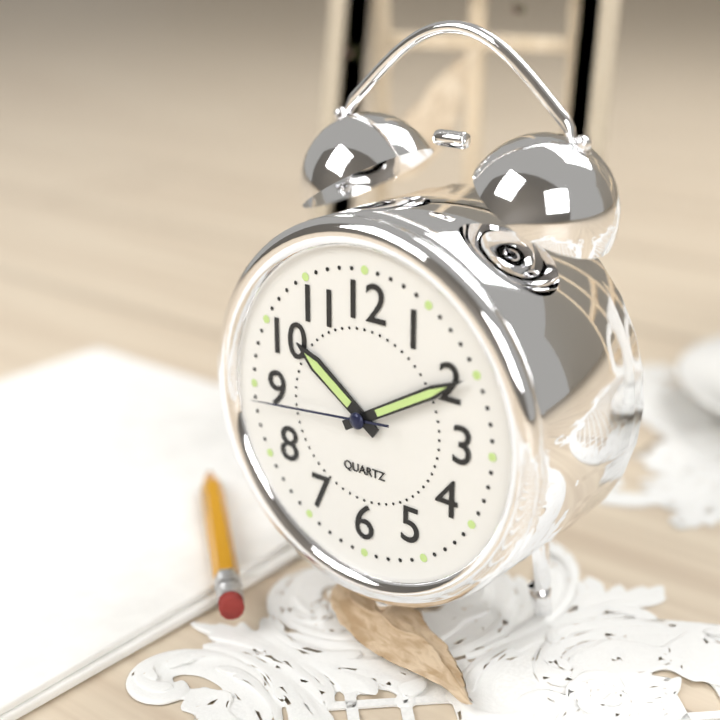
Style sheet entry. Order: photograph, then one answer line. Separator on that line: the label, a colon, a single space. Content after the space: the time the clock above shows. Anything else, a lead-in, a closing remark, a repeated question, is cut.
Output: 10:10:44
